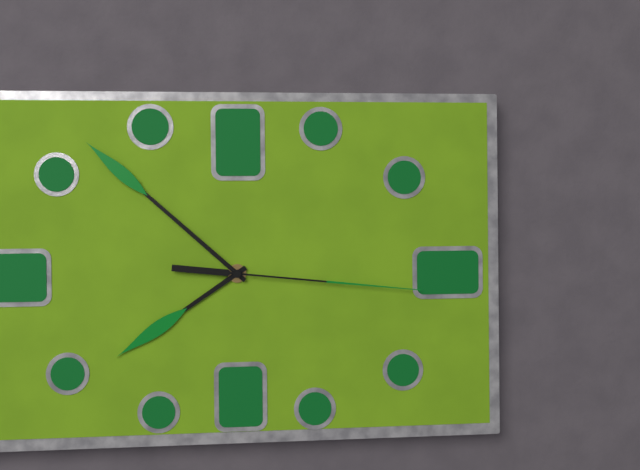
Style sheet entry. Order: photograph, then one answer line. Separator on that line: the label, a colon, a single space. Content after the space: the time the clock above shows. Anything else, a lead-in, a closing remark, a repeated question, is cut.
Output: 7:52:16
